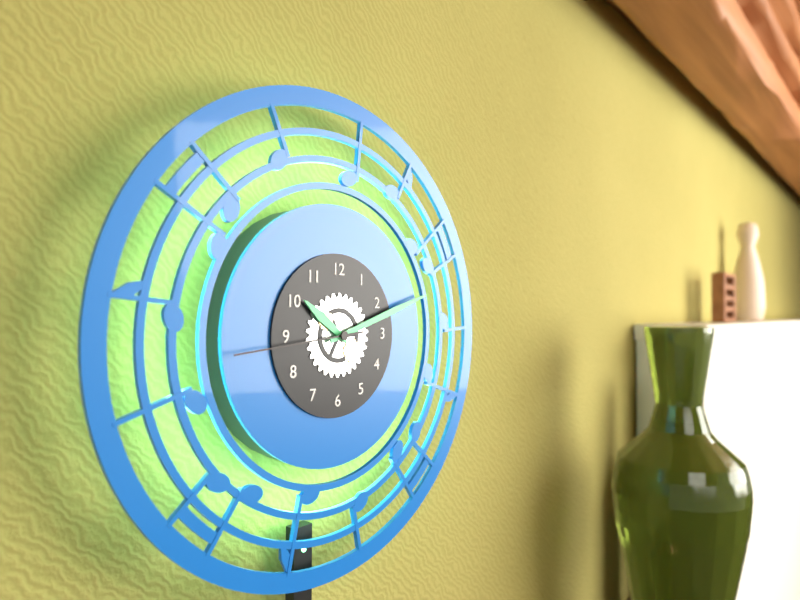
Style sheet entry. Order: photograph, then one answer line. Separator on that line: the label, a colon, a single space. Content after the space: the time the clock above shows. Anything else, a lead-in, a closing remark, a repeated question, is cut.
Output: 10:12:44
